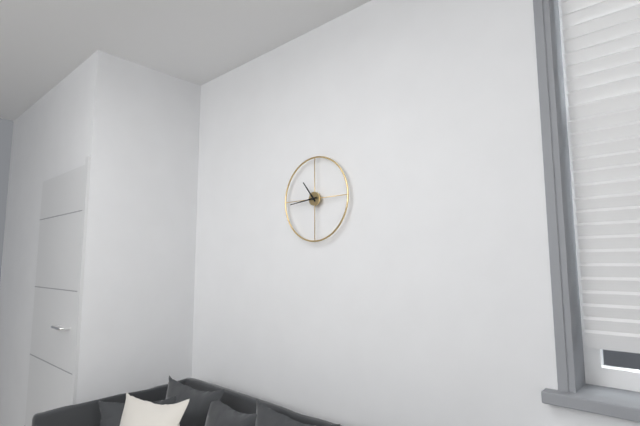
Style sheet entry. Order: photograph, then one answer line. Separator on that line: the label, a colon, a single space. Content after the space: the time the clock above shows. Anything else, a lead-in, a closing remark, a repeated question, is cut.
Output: 10:44
